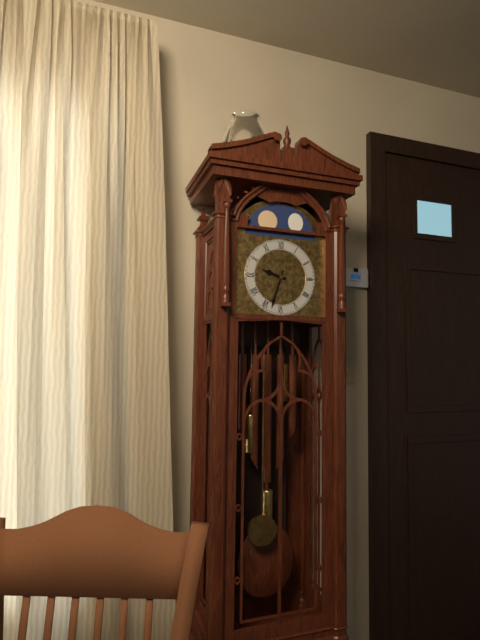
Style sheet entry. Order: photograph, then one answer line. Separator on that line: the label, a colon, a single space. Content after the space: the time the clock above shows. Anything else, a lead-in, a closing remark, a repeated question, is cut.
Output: 9:33
